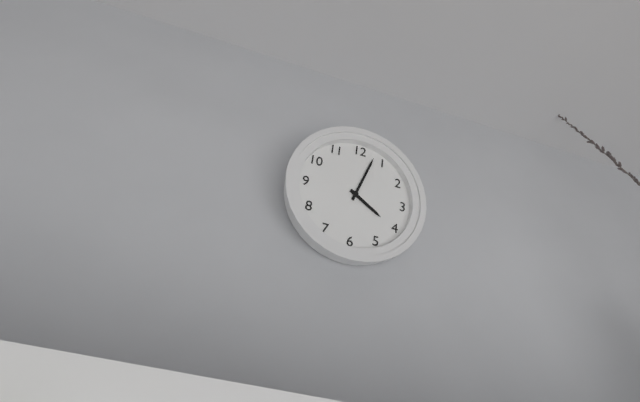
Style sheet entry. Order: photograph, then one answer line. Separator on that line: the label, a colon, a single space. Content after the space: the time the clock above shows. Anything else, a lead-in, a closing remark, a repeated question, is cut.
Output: 4:03
